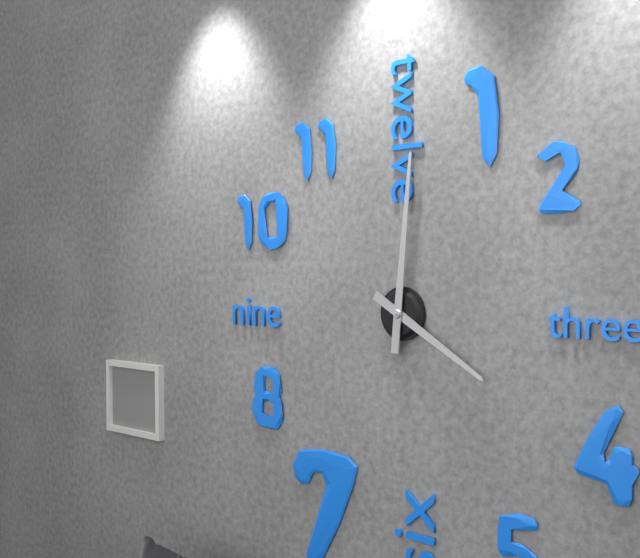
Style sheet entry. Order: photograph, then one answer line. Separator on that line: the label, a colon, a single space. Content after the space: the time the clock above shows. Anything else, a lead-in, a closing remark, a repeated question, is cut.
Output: 4:01
